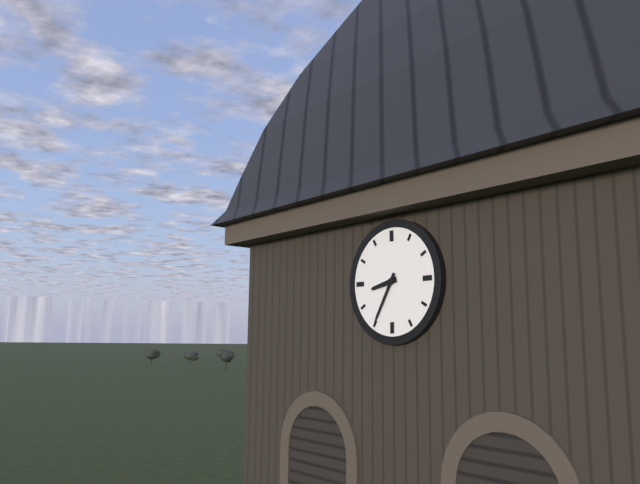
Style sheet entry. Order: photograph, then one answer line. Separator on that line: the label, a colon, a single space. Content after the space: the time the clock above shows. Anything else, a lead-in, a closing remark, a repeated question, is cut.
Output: 8:35
